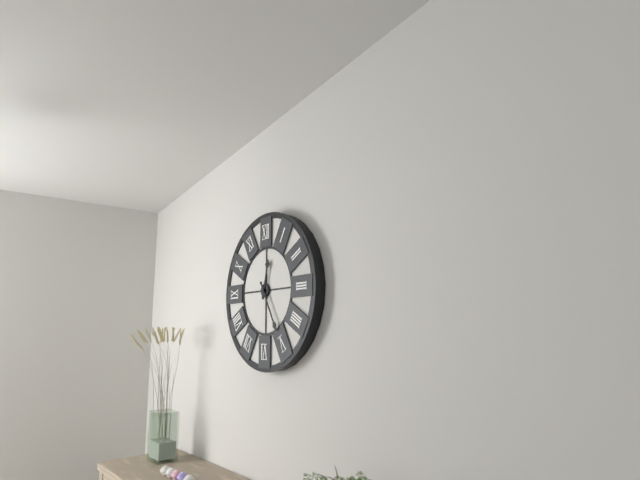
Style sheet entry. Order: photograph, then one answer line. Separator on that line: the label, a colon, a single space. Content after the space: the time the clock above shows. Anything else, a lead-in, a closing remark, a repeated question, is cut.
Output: 12:25
